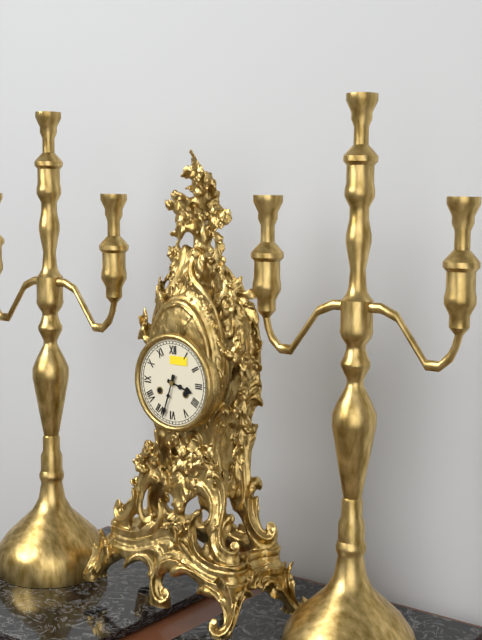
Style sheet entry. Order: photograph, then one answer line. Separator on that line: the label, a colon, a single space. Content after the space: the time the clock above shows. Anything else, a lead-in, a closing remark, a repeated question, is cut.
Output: 3:33
